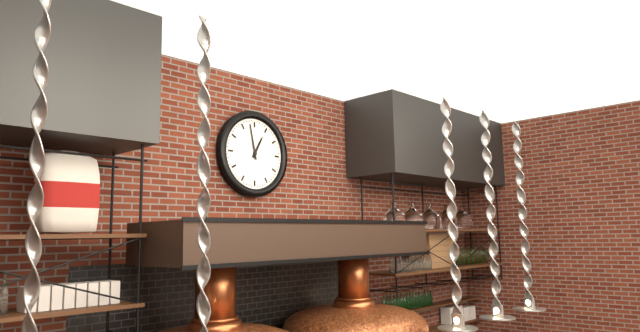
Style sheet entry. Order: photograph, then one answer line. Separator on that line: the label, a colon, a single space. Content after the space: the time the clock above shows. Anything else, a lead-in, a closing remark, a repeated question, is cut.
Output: 12:58
